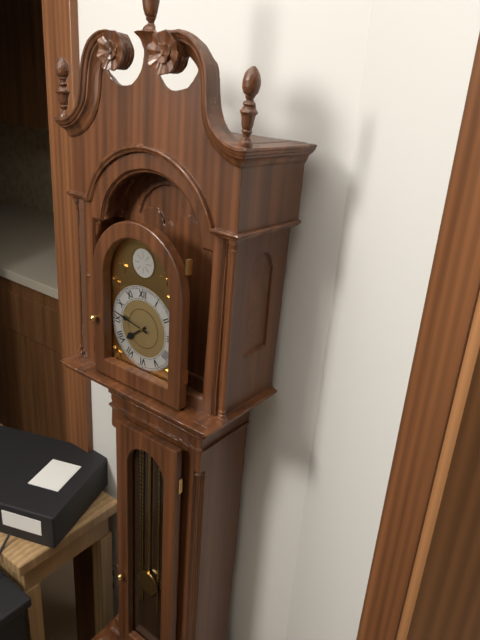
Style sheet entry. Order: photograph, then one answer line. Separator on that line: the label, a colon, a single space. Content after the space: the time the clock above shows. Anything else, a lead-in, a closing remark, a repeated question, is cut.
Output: 7:47
